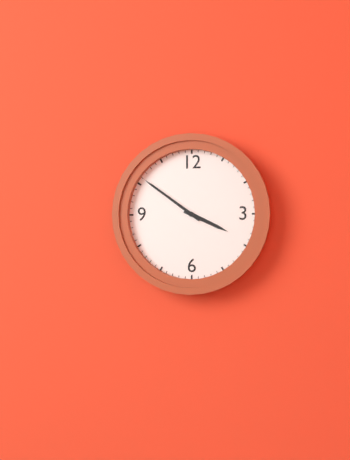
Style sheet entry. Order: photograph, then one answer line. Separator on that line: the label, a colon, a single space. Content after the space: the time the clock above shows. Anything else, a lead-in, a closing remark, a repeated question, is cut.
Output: 3:51
